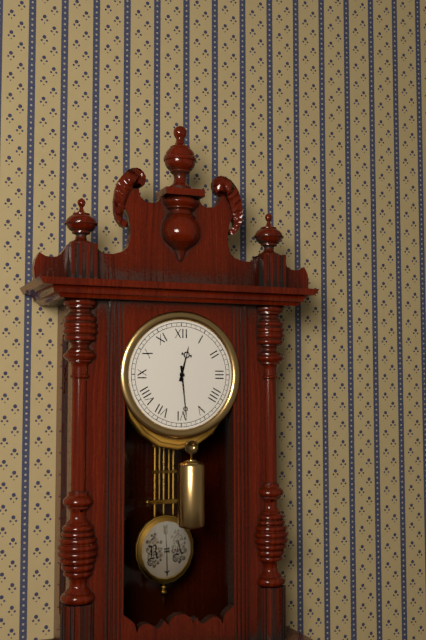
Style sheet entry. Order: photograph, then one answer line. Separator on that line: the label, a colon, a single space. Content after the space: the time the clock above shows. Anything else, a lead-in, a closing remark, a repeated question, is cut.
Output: 12:29
